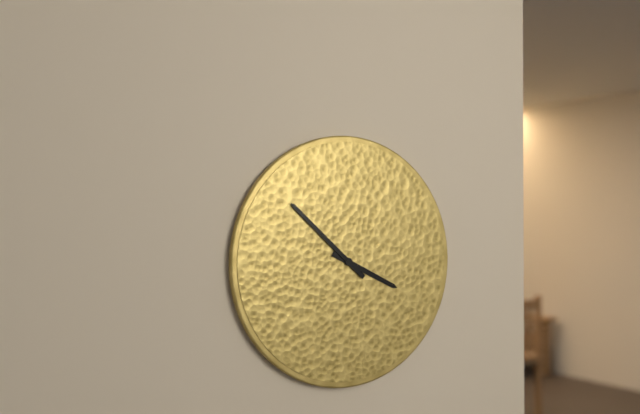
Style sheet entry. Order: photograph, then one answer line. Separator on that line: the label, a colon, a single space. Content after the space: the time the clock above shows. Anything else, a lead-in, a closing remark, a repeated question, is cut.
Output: 3:52
